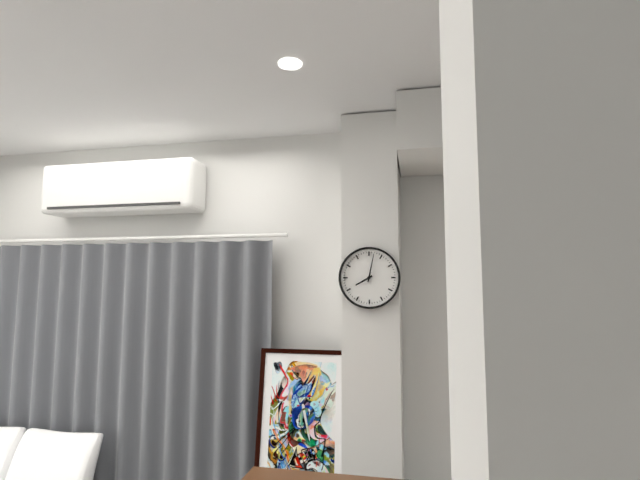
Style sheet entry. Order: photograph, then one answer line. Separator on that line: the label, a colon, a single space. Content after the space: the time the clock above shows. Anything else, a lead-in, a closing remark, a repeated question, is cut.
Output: 8:02
